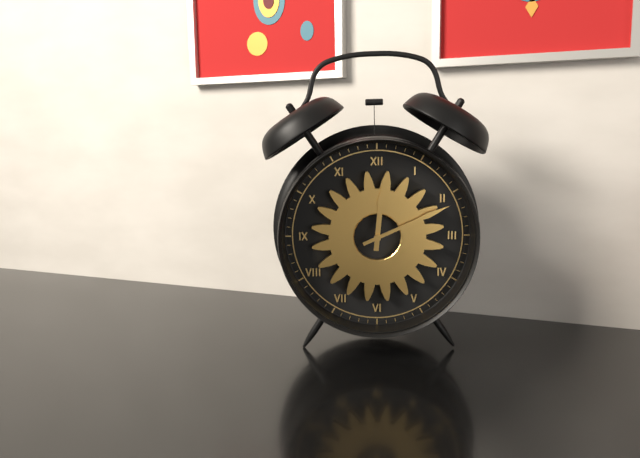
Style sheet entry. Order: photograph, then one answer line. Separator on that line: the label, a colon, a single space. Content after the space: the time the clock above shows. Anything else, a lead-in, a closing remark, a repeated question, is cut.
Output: 12:11
